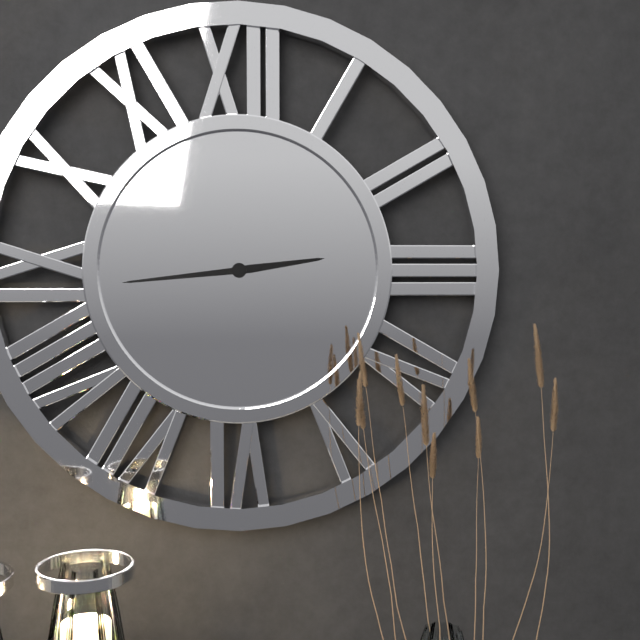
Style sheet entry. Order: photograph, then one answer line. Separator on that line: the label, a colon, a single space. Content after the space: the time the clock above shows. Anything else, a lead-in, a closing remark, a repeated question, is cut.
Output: 2:44
